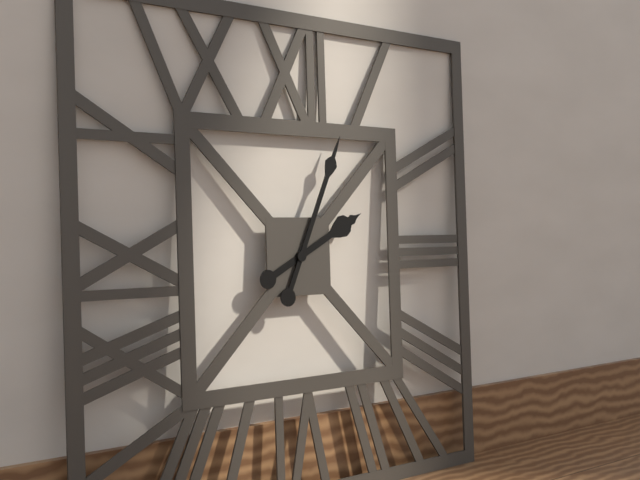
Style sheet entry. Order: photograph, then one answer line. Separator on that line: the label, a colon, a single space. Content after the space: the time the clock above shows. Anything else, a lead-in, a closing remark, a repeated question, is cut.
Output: 2:04
